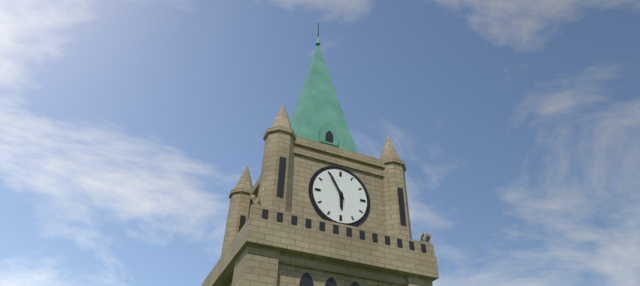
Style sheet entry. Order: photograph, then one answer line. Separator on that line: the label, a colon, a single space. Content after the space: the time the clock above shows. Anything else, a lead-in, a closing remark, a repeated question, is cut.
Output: 5:55
